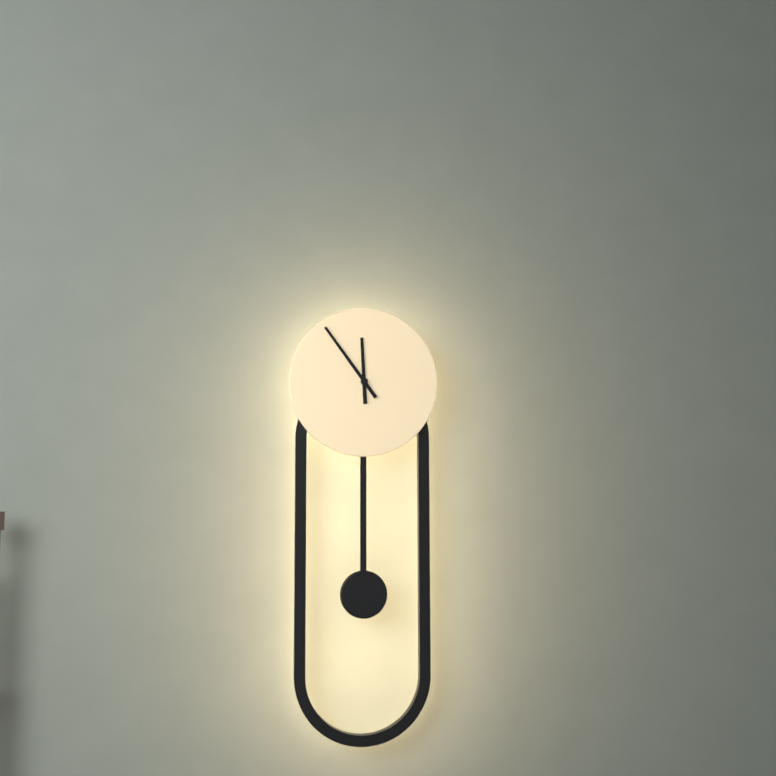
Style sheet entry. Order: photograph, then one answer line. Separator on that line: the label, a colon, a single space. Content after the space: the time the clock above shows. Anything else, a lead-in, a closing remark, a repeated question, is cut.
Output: 11:54
